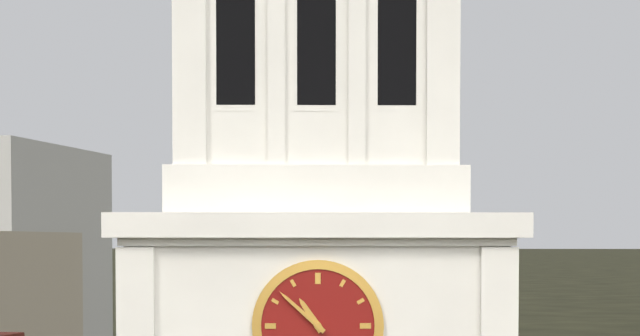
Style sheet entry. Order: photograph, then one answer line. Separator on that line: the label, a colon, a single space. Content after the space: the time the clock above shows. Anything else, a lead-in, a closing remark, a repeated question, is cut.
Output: 10:52
